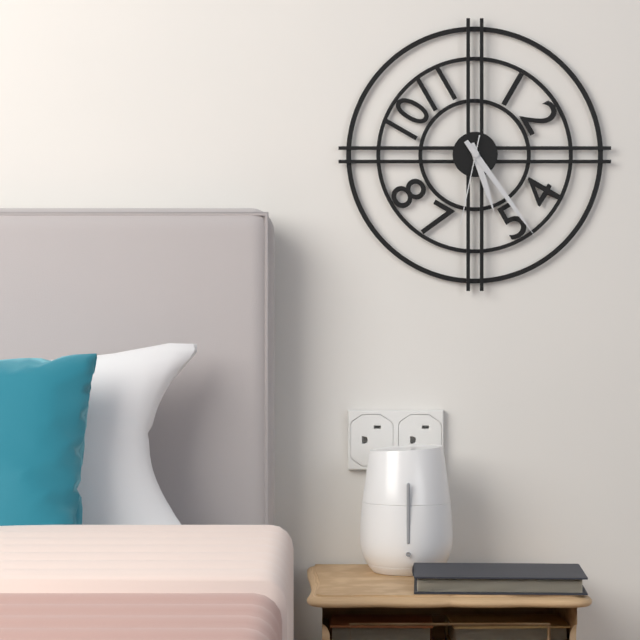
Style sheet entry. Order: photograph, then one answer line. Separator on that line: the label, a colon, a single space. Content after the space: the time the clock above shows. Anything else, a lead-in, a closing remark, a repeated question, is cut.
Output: 5:24:32
